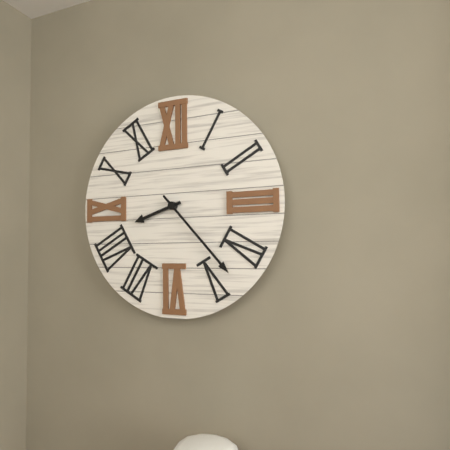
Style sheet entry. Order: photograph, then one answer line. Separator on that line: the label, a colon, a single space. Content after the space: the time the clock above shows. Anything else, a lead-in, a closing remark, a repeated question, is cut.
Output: 8:23
